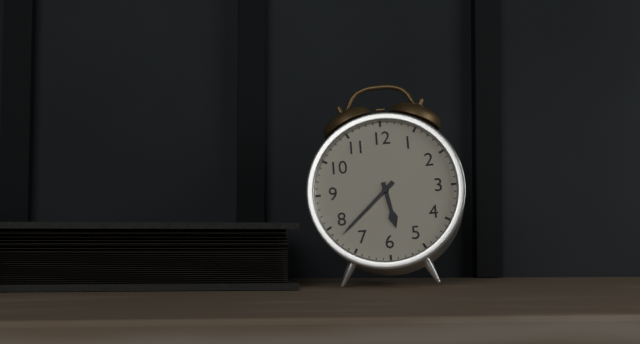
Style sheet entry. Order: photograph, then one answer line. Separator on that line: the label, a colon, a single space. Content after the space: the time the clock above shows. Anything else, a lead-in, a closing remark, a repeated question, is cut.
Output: 5:38
